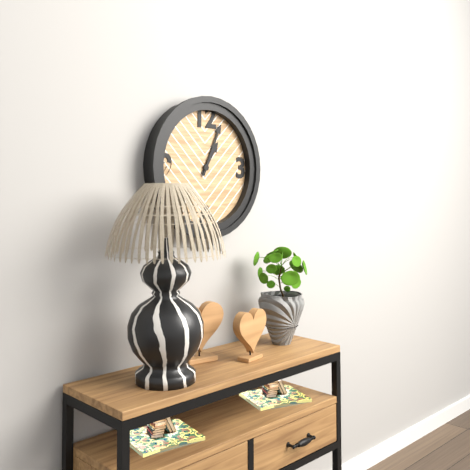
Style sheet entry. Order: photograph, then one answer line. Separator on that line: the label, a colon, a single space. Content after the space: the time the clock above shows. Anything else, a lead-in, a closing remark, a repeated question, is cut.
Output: 1:04
